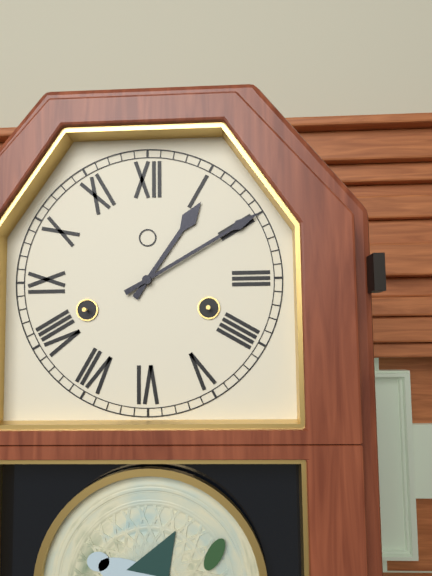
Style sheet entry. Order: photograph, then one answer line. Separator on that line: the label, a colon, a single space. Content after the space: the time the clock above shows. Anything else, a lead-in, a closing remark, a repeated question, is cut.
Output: 1:10
